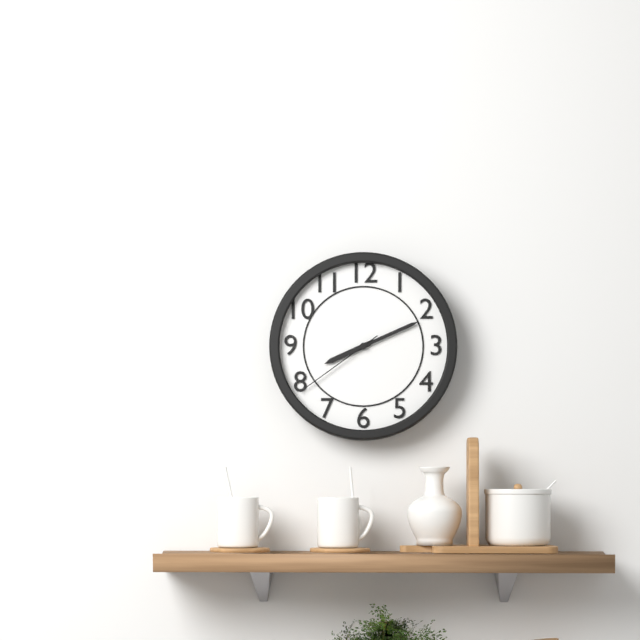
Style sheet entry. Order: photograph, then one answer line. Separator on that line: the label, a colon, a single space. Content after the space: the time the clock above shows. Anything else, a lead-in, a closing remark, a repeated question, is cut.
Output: 8:11:39
